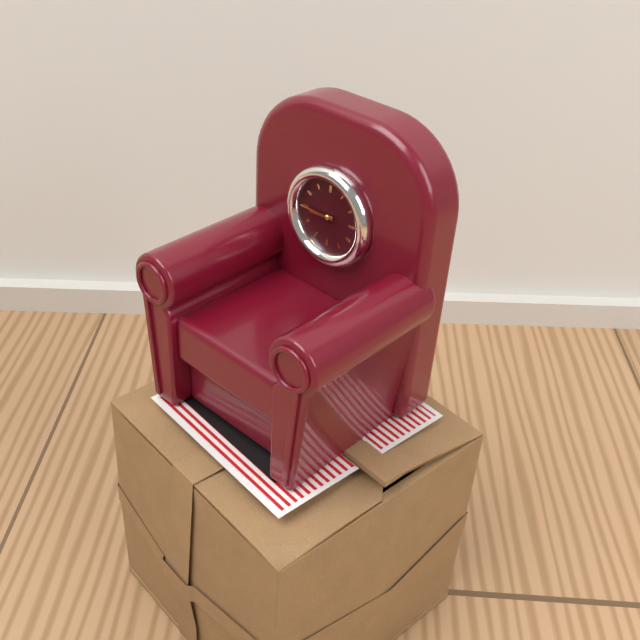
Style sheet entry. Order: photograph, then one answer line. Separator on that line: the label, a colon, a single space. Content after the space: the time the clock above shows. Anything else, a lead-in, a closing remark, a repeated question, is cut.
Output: 8:45
